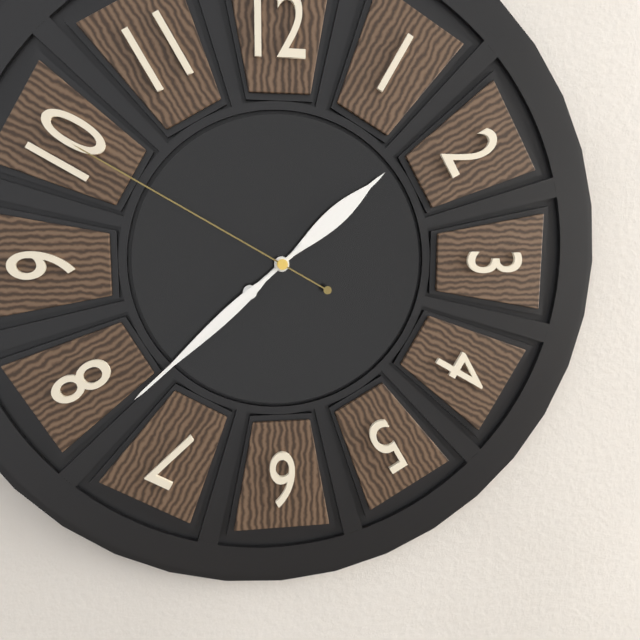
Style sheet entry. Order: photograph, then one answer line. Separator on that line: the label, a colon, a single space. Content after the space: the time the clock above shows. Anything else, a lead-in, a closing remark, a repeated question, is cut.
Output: 1:38:50
